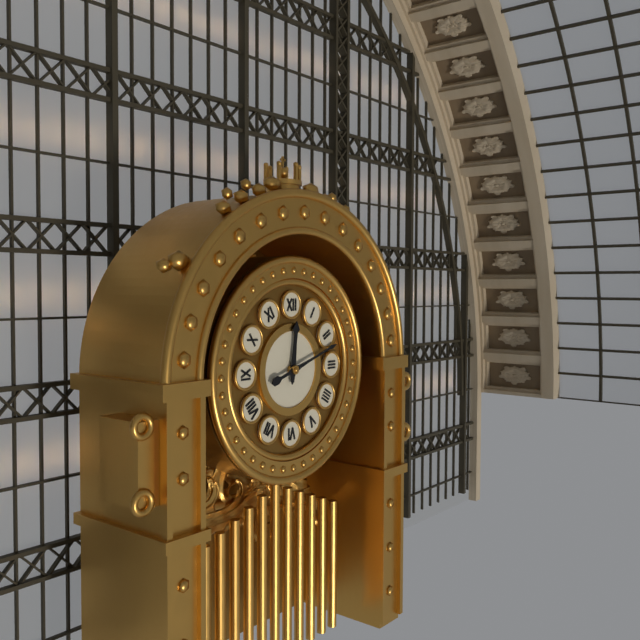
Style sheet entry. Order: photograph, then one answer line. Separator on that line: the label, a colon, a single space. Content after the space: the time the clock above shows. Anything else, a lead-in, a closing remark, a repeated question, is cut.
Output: 12:12
